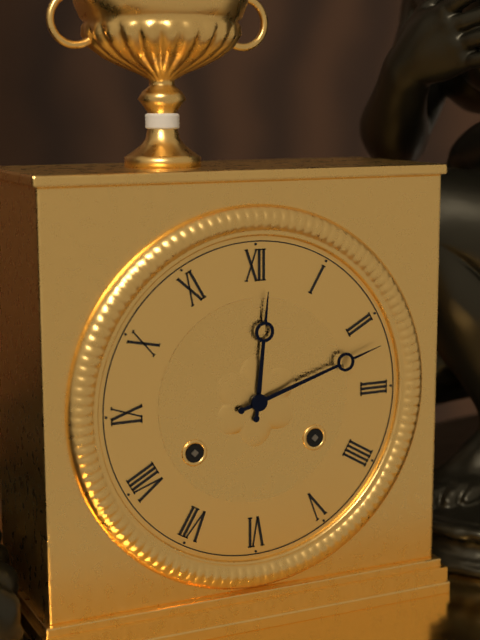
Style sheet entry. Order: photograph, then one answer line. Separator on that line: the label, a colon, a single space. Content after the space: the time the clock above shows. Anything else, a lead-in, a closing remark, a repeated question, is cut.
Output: 12:12
